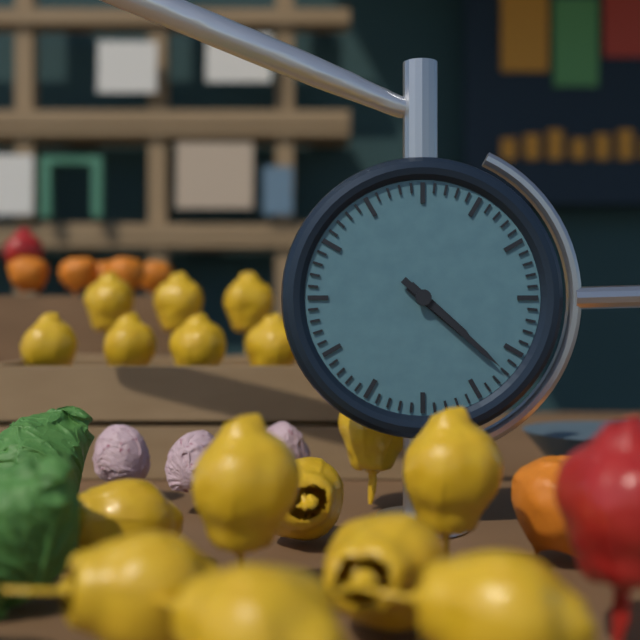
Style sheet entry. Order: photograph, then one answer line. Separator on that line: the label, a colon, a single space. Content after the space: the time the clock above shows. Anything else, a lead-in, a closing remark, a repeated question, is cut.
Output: 4:22
